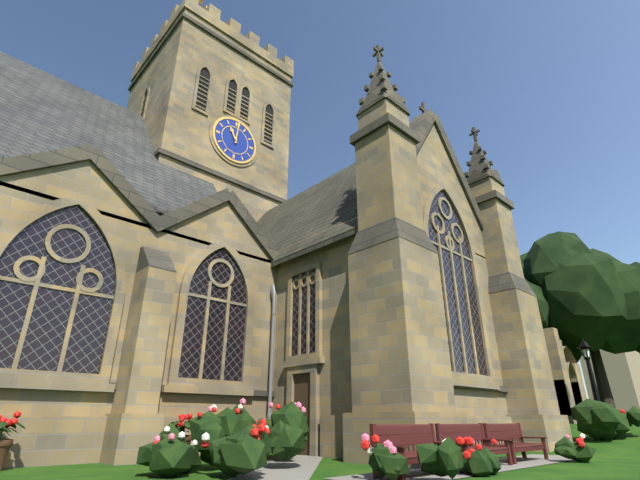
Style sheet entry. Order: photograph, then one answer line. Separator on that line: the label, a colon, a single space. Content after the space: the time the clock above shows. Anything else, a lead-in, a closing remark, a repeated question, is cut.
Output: 11:01
